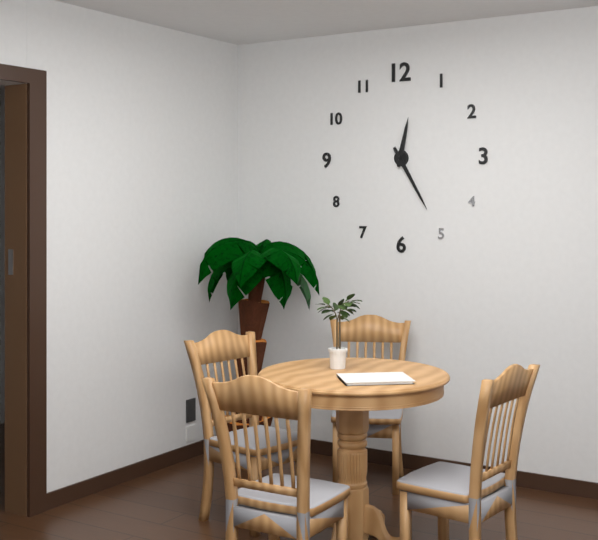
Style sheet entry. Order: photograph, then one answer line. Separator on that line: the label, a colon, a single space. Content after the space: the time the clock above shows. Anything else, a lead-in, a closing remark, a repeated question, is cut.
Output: 12:25
